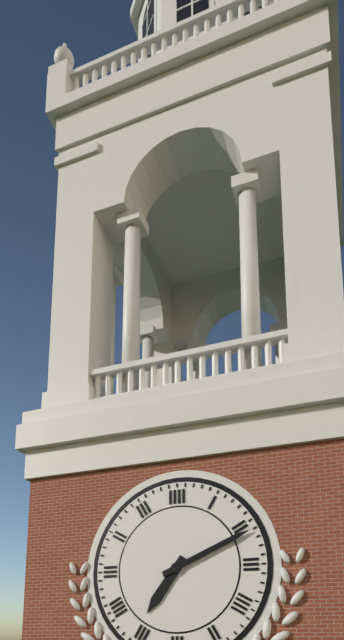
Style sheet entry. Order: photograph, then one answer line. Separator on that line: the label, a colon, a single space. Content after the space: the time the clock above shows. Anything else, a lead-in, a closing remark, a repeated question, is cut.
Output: 7:11
